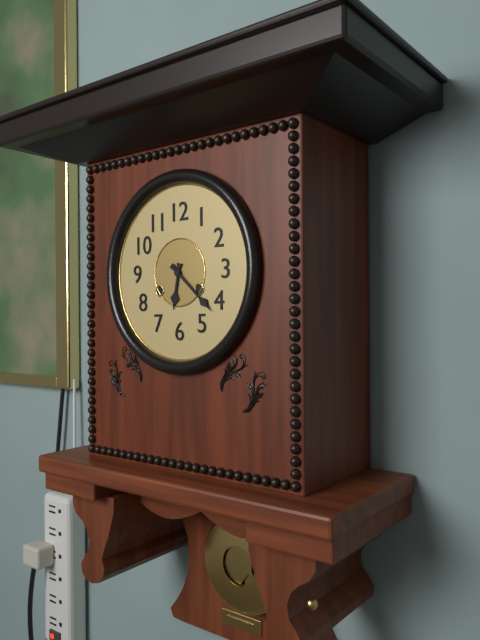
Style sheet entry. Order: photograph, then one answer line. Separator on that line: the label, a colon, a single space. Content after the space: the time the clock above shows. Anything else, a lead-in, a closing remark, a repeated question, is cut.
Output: 6:22
